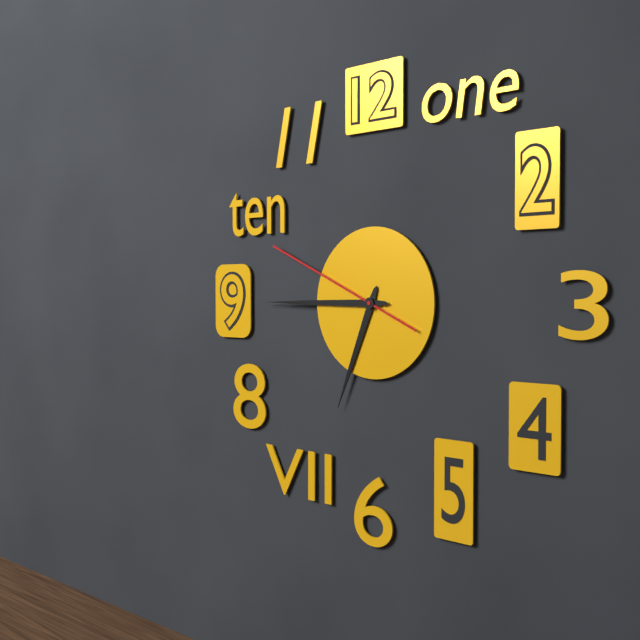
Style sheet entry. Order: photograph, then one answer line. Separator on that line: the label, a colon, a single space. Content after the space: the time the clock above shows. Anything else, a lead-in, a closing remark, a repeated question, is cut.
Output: 6:45:49
